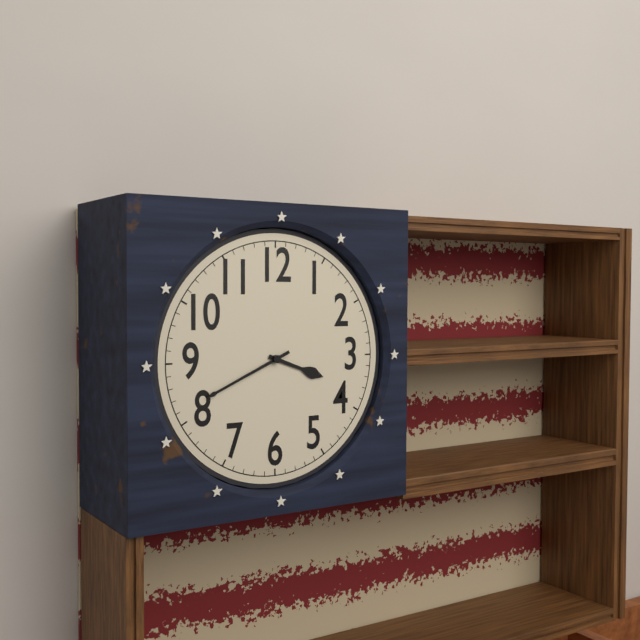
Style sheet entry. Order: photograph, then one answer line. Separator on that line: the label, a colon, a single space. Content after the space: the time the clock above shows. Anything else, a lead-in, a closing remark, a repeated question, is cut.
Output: 3:41
